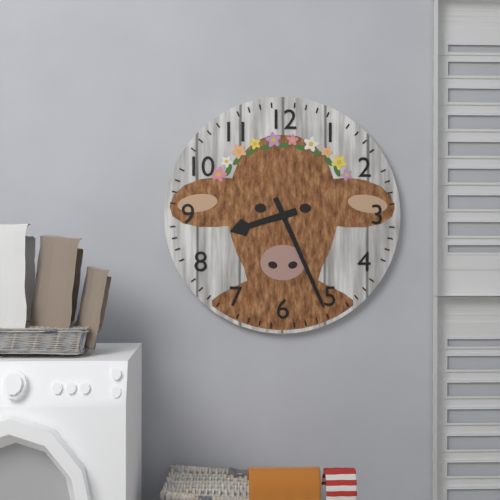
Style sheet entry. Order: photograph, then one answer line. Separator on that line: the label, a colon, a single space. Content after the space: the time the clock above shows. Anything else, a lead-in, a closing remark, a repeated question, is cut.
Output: 8:26
